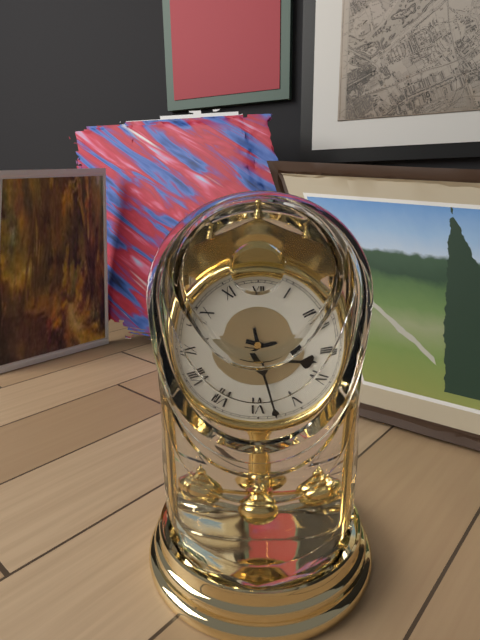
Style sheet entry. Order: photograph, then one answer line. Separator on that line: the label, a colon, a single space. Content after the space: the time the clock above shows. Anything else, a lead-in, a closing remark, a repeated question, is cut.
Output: 3:28
